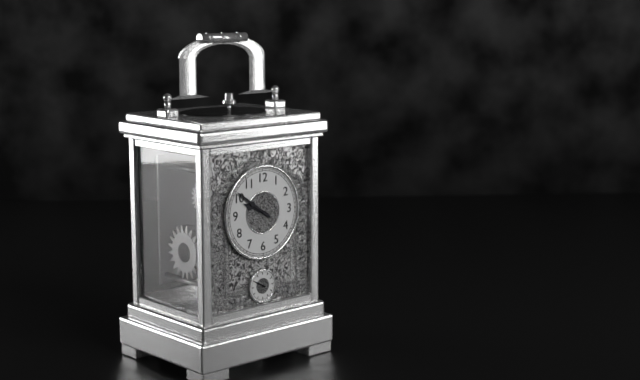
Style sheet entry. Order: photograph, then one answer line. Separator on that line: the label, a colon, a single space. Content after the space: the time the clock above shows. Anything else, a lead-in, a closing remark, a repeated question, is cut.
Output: 9:51
